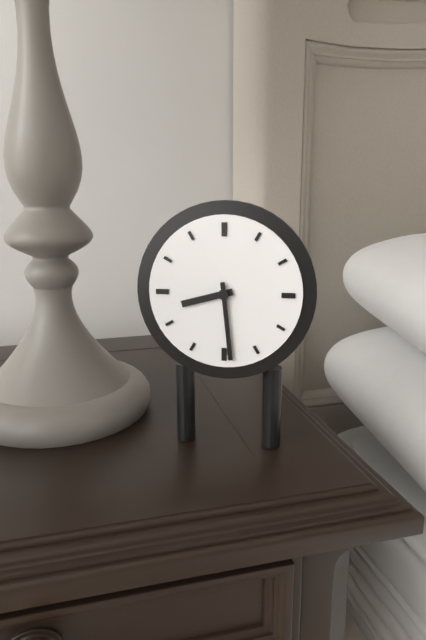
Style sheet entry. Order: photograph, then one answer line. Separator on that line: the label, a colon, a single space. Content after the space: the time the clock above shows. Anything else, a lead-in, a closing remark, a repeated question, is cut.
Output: 8:29
